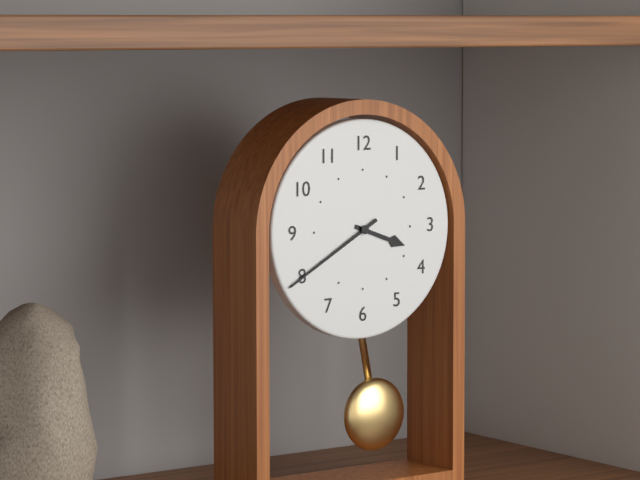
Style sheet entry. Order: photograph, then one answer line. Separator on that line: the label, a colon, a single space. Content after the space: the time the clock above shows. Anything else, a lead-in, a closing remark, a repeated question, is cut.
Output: 3:40
